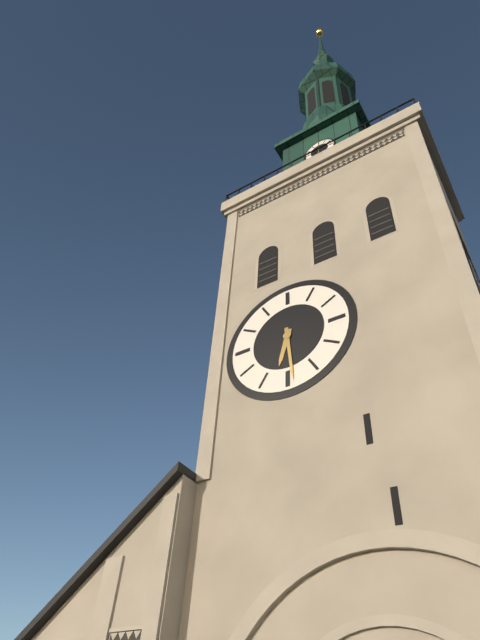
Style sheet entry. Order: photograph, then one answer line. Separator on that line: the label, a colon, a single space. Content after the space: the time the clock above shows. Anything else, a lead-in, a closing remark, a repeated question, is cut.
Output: 6:29
